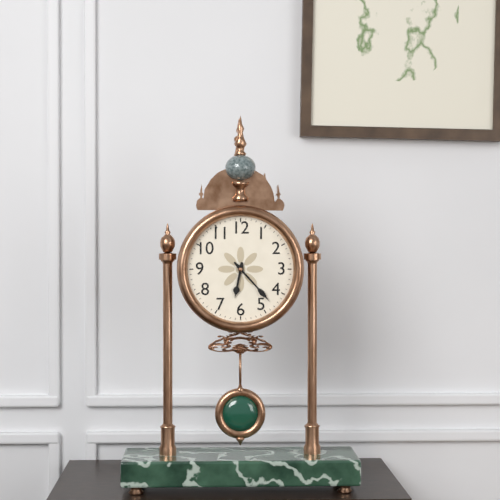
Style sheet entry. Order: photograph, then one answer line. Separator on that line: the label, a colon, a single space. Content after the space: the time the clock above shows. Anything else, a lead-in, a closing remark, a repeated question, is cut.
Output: 6:23
